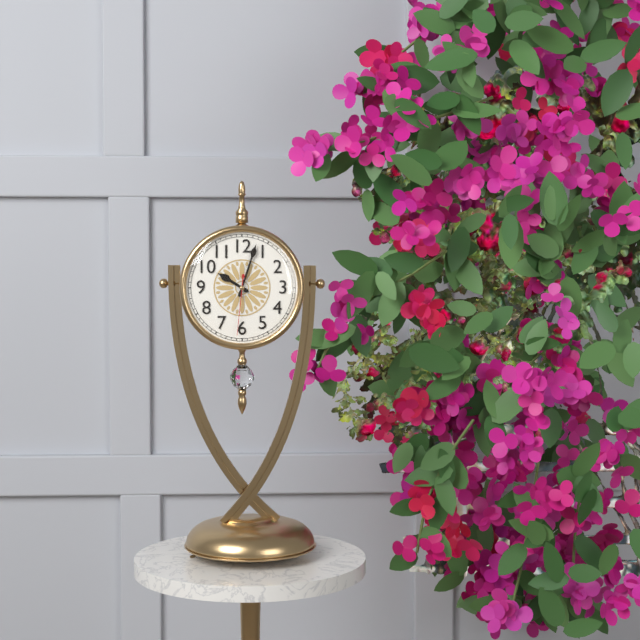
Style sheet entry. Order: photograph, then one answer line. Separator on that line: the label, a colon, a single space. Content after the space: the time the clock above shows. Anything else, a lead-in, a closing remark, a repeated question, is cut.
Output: 10:03:31
